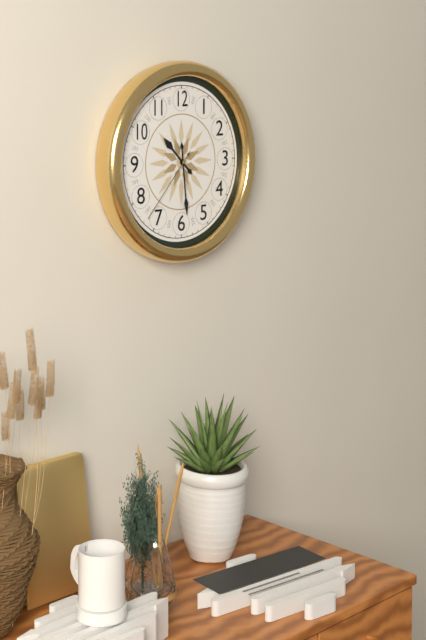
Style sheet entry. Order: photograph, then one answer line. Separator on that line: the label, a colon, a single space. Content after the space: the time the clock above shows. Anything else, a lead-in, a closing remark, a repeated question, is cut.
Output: 10:29:37
